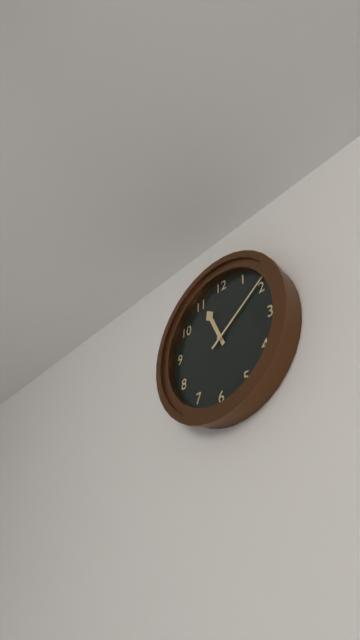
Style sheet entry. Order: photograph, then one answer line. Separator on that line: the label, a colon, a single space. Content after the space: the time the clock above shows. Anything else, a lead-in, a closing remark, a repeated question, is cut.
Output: 11:09
